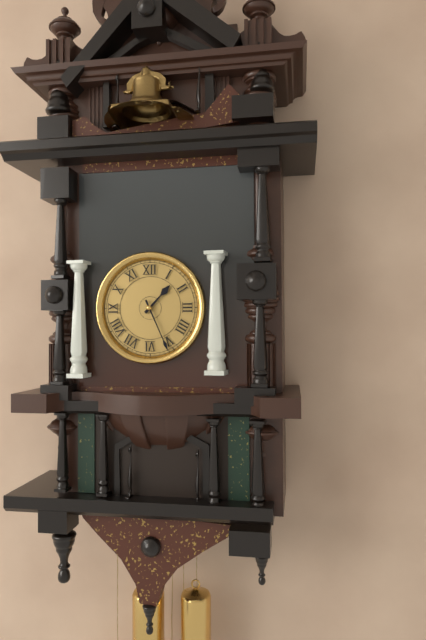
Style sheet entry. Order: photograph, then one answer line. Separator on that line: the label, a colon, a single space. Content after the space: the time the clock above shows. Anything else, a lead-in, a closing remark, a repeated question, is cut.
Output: 1:26
